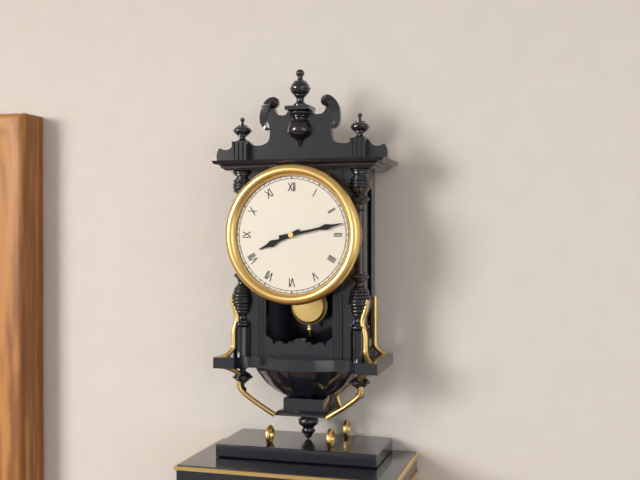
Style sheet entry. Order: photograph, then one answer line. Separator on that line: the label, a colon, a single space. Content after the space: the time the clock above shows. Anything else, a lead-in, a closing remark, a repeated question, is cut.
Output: 8:13
